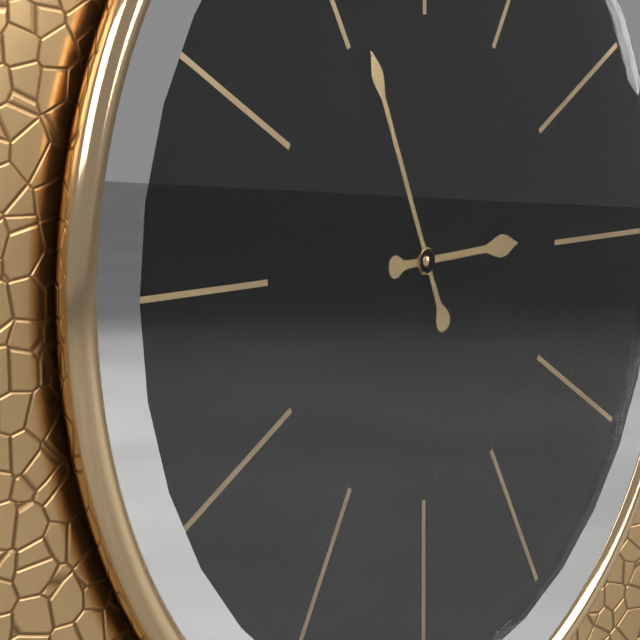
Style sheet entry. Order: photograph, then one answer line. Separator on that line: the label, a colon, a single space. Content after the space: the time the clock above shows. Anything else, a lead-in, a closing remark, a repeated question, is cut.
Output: 2:56
